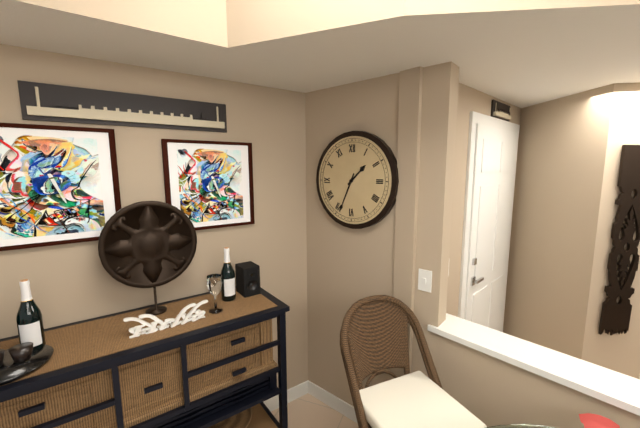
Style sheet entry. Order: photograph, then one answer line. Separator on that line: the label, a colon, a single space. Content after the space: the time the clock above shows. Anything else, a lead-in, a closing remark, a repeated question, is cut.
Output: 1:34
